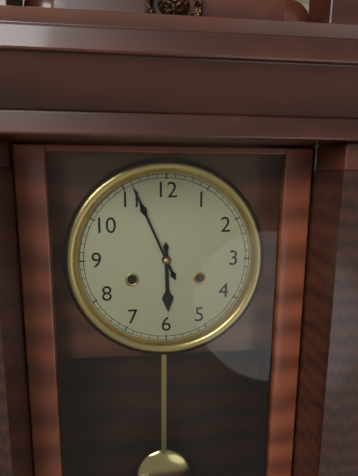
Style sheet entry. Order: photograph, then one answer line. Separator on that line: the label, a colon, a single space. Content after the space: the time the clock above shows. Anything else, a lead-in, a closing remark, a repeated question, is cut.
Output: 5:56
